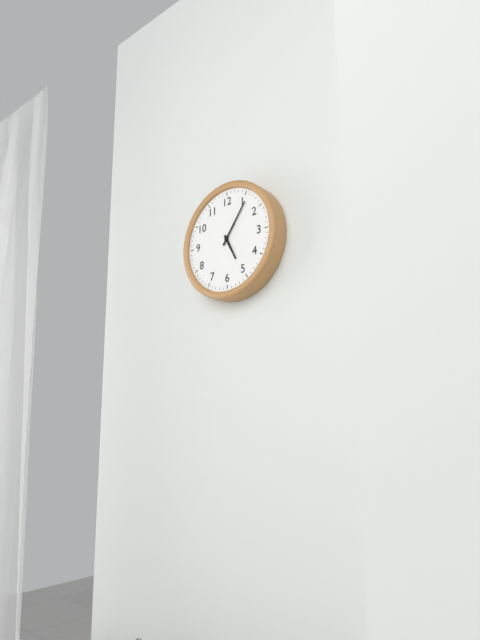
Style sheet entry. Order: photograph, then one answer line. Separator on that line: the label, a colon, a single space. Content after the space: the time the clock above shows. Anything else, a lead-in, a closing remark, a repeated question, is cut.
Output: 5:06
